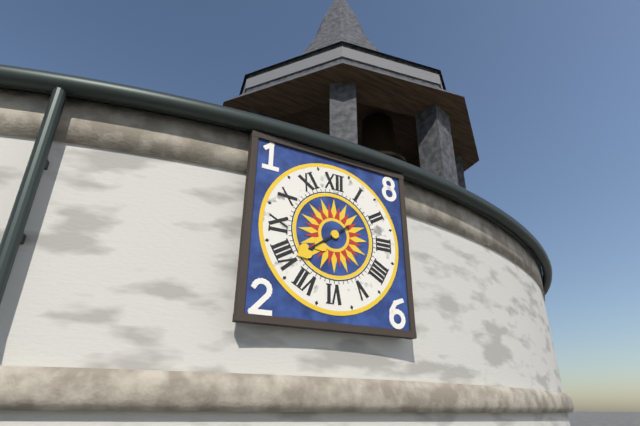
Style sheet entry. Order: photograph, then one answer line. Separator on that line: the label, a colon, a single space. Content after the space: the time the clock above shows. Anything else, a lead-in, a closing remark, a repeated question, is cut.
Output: 7:39
